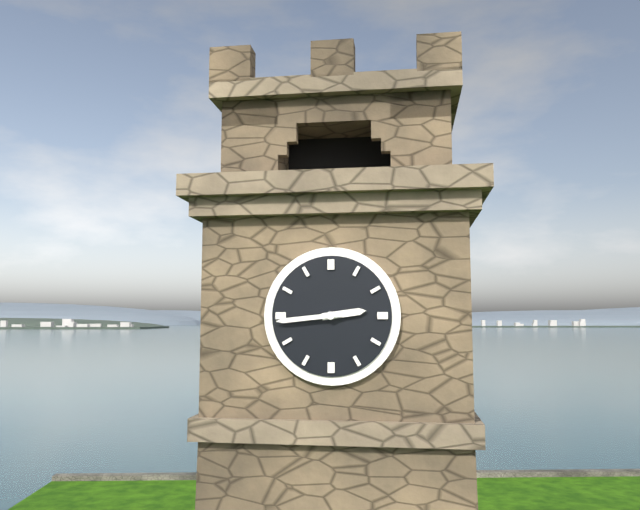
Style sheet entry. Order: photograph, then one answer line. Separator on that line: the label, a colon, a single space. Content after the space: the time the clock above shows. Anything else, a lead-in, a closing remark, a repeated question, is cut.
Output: 2:44
